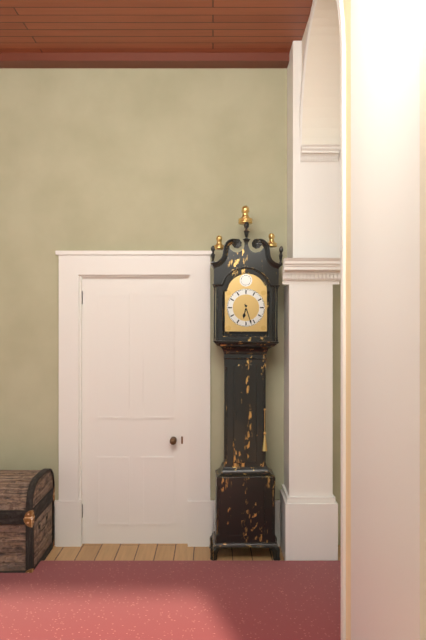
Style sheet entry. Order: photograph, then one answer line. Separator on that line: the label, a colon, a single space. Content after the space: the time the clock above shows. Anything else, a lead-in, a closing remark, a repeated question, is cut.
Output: 6:27
